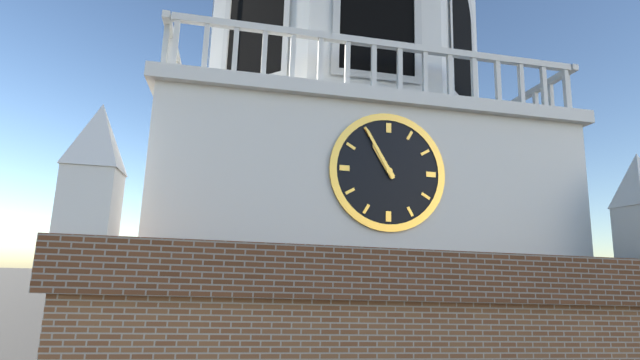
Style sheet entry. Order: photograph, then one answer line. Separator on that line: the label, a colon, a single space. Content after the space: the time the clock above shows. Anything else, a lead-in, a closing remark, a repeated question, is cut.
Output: 10:55
